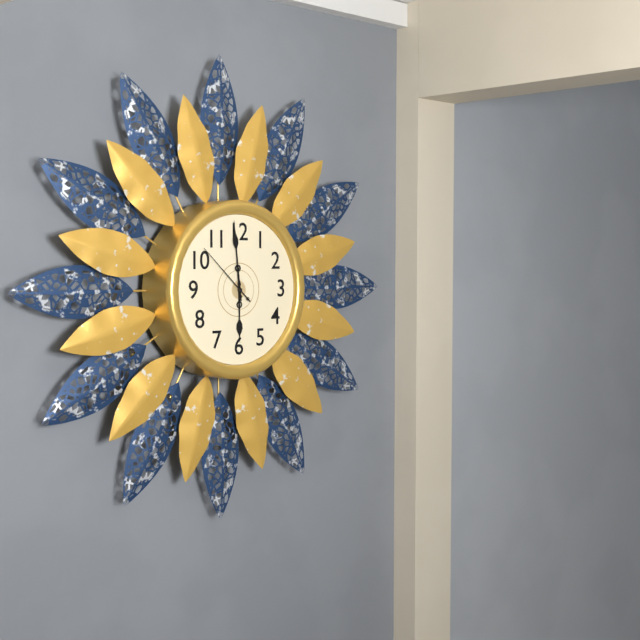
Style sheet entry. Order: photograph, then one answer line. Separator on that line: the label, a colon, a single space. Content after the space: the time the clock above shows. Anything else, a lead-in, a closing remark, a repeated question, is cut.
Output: 5:59:52
